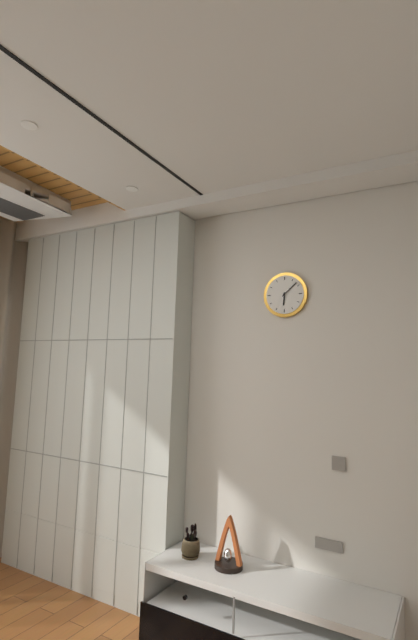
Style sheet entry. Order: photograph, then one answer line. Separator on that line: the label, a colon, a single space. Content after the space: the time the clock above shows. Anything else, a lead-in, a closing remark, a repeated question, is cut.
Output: 6:08
